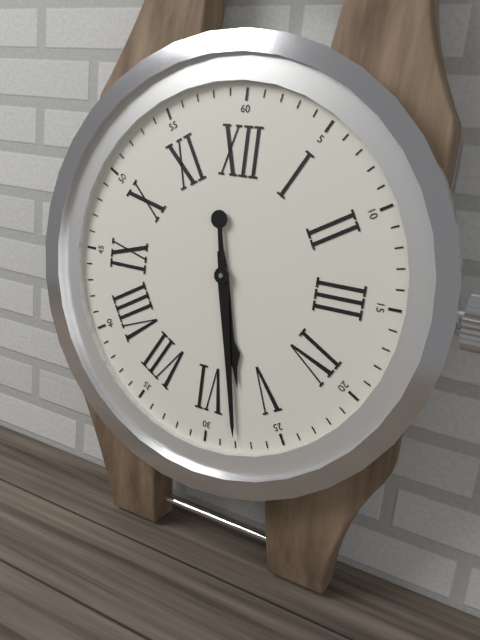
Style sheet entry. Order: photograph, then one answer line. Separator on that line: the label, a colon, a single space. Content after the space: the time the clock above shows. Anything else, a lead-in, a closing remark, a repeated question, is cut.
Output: 5:28
